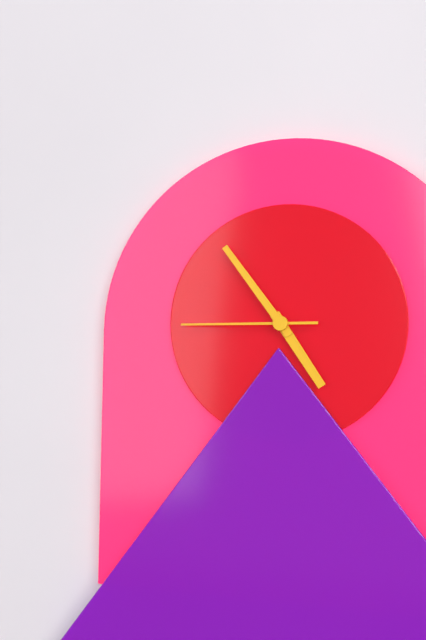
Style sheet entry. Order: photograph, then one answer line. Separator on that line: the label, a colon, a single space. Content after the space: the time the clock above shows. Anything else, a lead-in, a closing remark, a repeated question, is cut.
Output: 4:54:45
